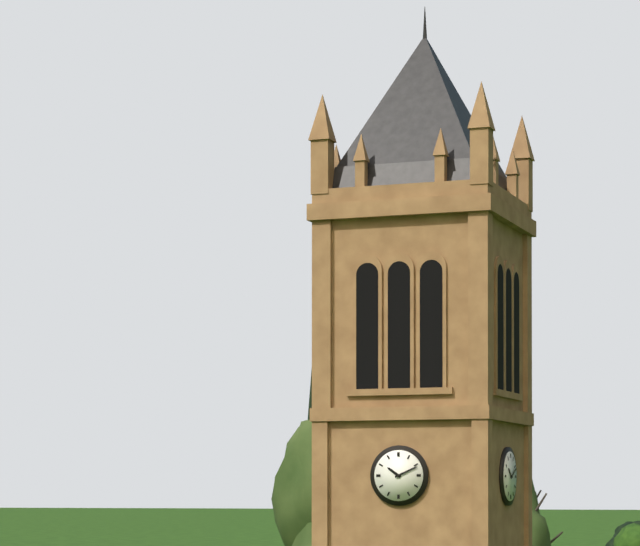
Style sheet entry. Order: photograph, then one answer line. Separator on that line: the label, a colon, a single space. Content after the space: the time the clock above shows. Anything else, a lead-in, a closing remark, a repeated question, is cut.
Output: 10:11
